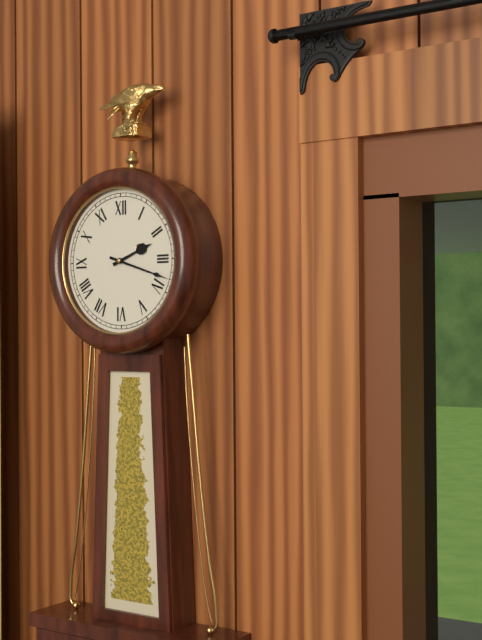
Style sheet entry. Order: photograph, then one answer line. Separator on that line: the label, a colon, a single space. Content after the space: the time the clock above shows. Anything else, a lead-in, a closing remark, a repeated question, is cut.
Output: 2:18
